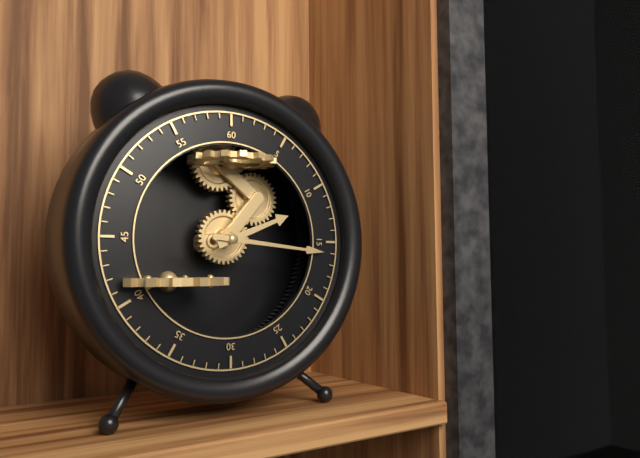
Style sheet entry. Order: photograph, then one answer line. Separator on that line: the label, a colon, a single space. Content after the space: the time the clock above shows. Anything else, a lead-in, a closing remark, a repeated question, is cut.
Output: 2:16
